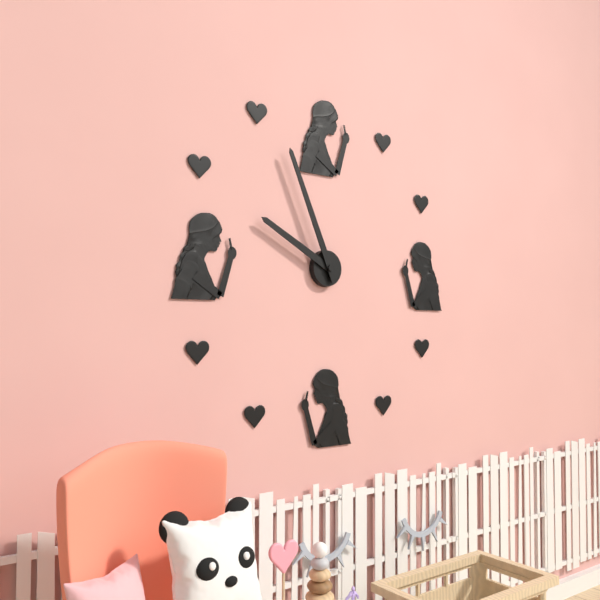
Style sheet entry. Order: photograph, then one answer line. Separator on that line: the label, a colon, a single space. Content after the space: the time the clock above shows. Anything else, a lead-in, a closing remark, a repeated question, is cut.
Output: 9:56
